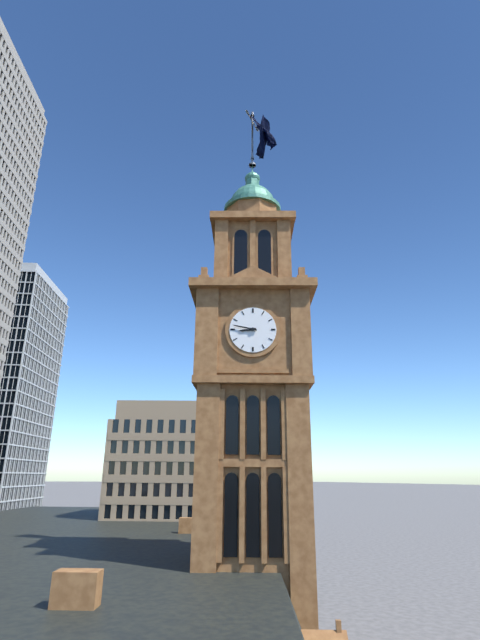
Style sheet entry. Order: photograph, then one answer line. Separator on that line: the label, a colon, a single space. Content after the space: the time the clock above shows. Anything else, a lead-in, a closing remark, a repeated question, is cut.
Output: 8:47
